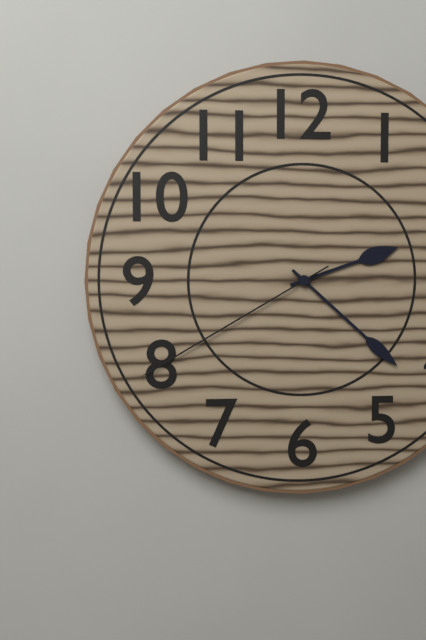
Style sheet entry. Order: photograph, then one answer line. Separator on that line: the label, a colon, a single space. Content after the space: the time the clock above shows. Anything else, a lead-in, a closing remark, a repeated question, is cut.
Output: 2:22:40
